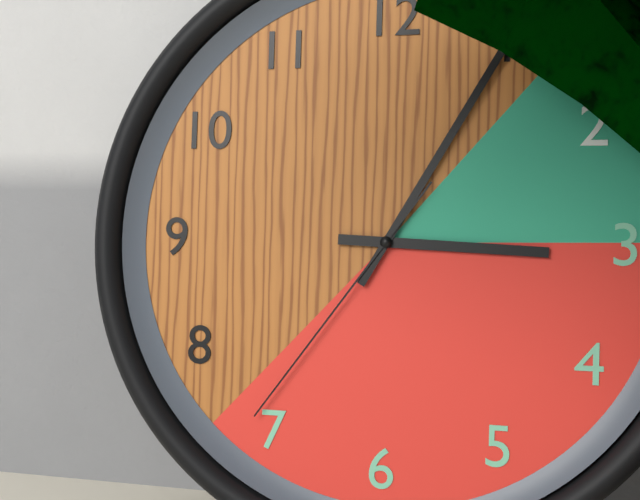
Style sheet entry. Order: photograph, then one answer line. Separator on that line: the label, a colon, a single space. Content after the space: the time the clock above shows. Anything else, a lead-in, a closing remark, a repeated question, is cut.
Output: 3:05:36
